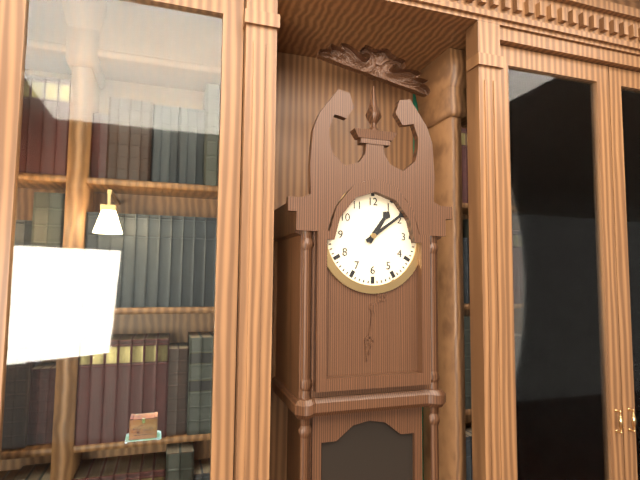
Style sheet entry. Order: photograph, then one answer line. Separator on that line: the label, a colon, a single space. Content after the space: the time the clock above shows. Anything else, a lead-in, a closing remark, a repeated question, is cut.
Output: 1:09
